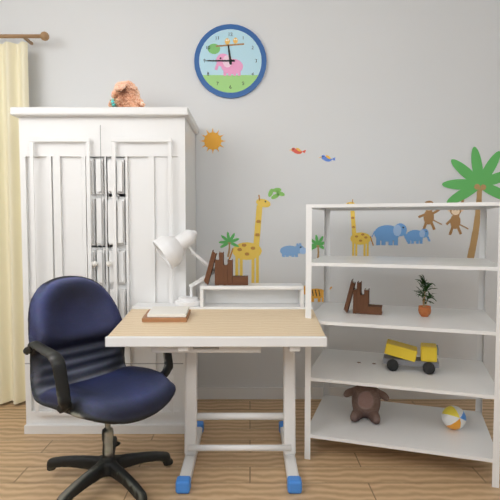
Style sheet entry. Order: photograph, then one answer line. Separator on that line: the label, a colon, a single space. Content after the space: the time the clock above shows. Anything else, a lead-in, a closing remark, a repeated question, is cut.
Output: 11:45
